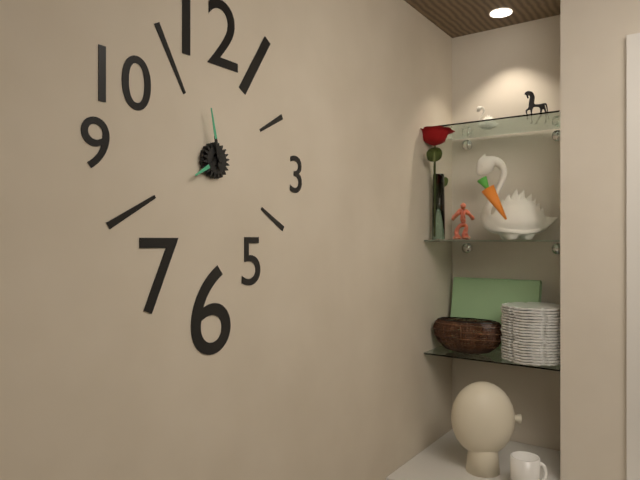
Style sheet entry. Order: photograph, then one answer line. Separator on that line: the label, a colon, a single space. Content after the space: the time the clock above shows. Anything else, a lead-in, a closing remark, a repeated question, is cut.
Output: 7:58
